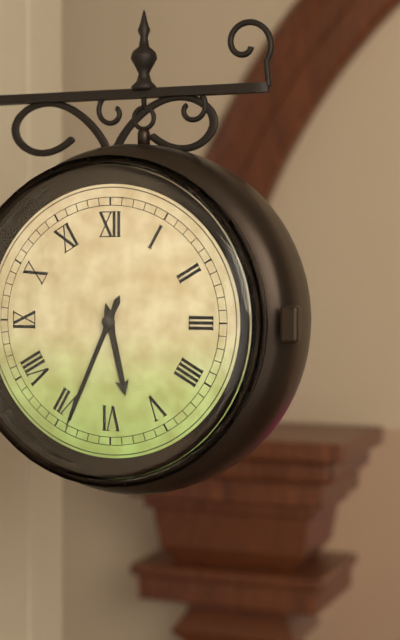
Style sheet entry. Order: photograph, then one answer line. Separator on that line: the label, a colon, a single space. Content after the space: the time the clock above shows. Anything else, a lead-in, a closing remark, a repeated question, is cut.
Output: 5:34
